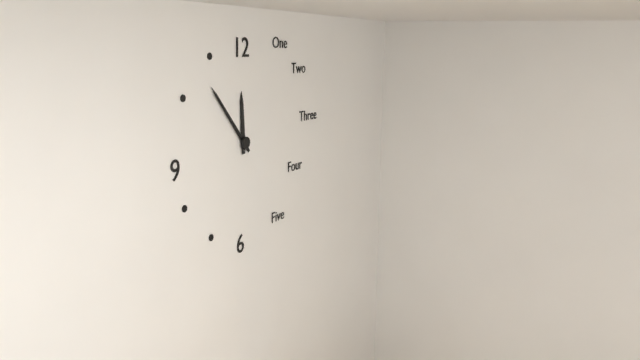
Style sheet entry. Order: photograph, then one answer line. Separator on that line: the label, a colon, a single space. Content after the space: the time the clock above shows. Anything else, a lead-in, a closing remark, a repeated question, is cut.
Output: 11:53
